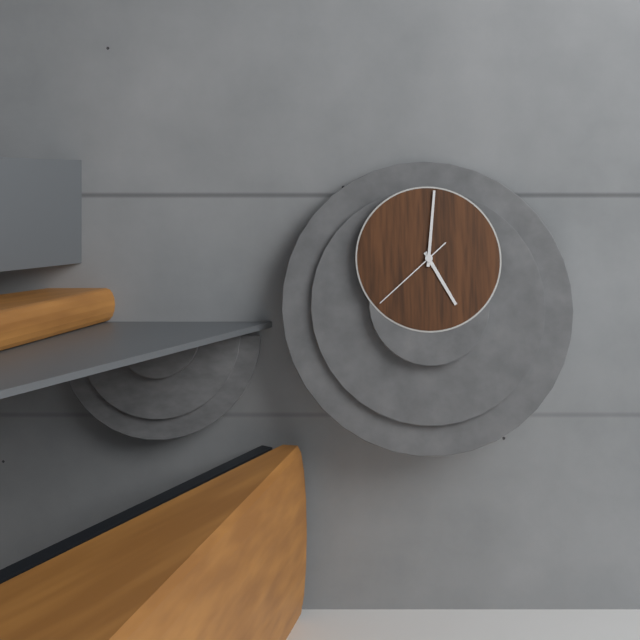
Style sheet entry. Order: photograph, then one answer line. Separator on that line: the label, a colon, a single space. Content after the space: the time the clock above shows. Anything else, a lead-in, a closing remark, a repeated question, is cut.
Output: 5:01:38
